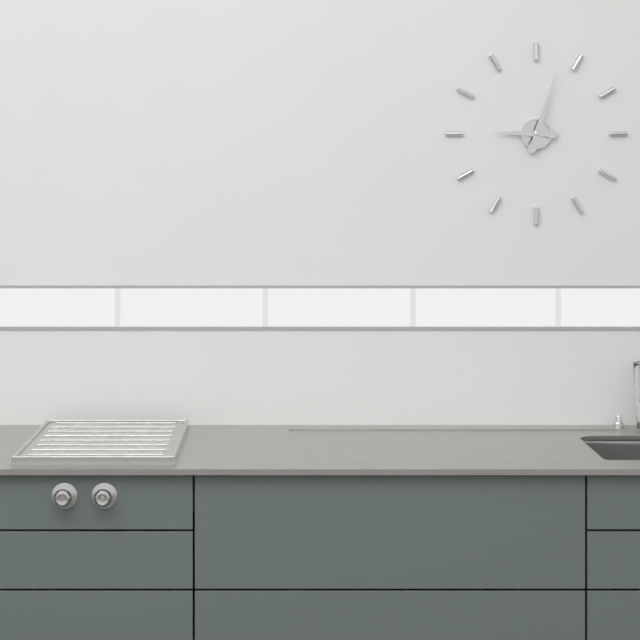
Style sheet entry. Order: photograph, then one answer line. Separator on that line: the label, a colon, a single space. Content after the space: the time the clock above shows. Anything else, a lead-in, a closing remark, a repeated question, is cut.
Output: 9:03
